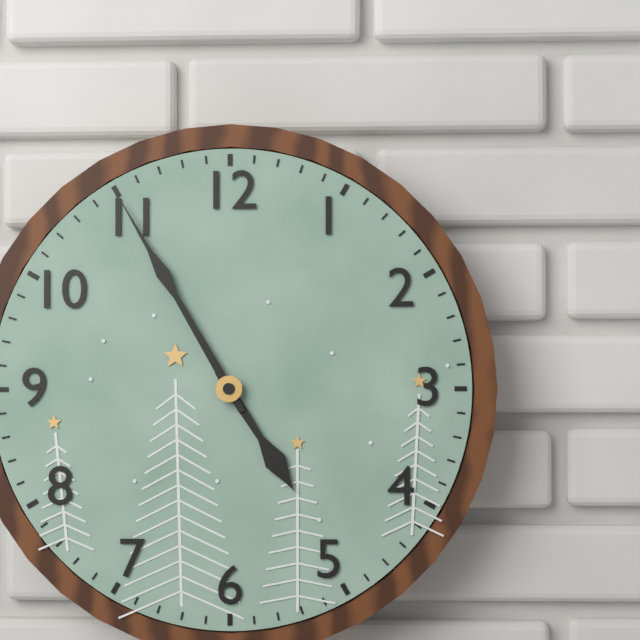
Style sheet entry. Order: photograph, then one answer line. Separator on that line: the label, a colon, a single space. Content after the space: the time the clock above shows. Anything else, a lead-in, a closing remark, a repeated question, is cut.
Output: 4:55
